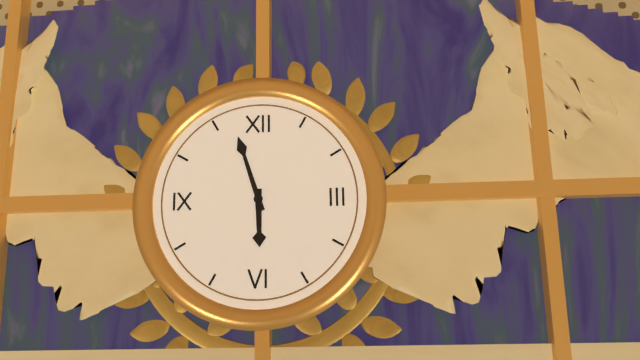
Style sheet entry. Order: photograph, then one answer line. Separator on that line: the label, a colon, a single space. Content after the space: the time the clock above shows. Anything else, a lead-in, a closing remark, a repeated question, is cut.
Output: 5:57
